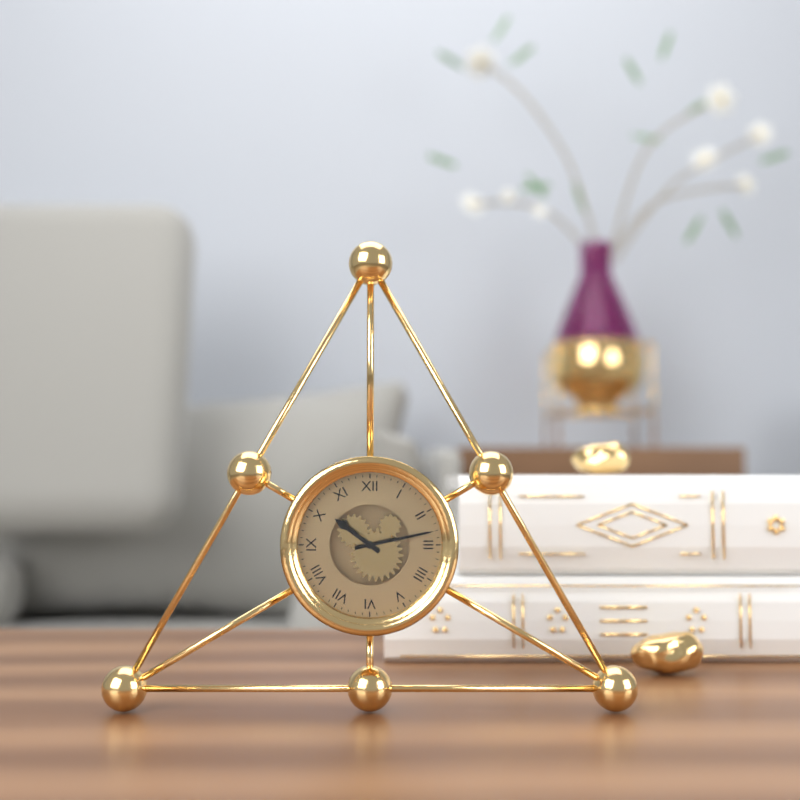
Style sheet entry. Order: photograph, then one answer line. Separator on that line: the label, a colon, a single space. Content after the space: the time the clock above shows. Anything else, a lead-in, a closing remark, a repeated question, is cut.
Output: 10:13
